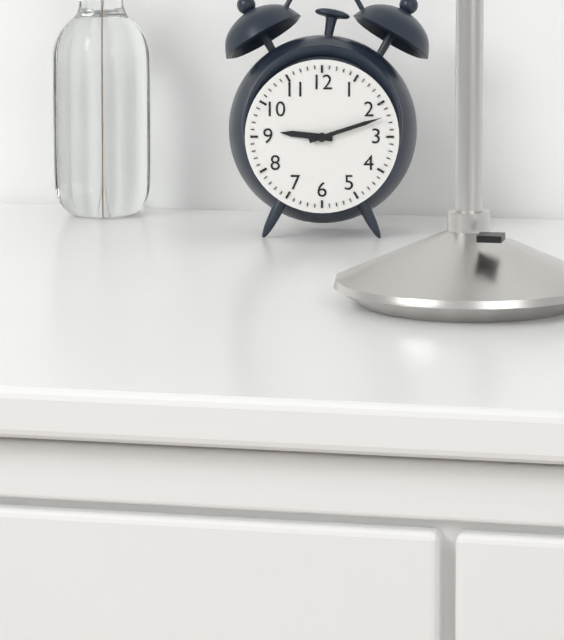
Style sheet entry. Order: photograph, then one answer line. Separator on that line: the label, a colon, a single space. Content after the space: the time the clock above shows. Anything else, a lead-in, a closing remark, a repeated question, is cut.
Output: 9:12
